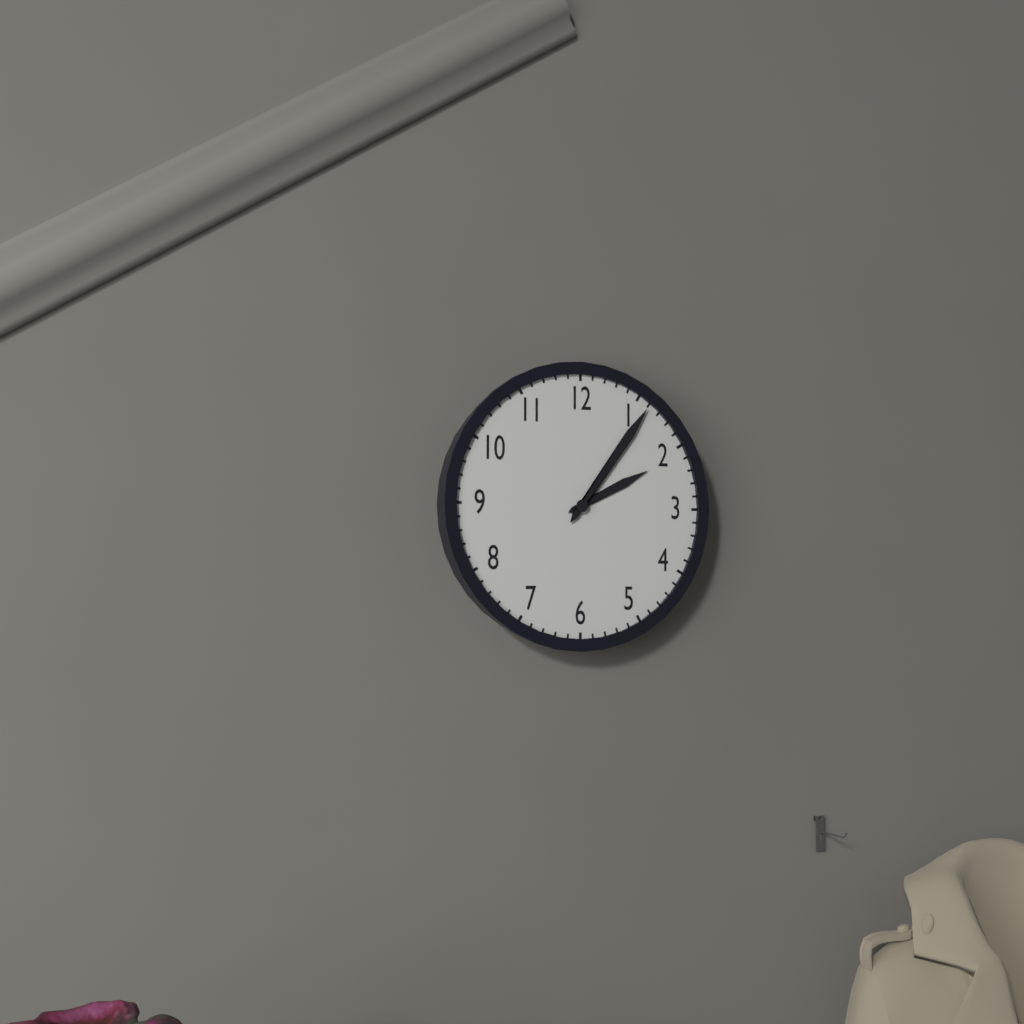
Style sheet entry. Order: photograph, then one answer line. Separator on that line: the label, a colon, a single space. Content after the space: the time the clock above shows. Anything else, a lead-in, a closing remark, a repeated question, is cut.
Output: 2:06
